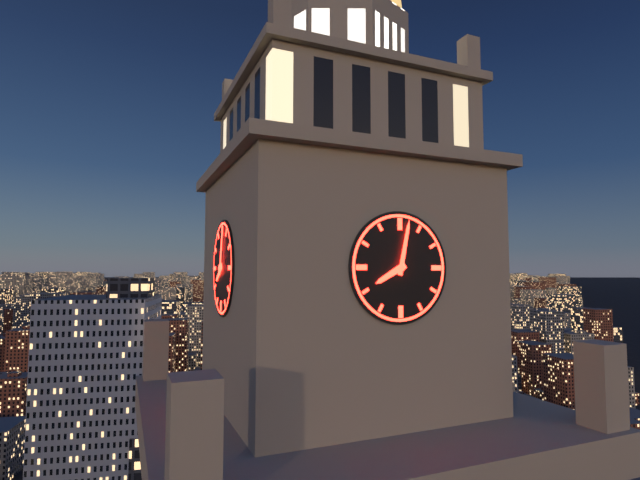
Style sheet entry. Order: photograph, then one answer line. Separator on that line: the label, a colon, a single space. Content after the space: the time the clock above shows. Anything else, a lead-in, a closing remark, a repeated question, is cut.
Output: 8:02
